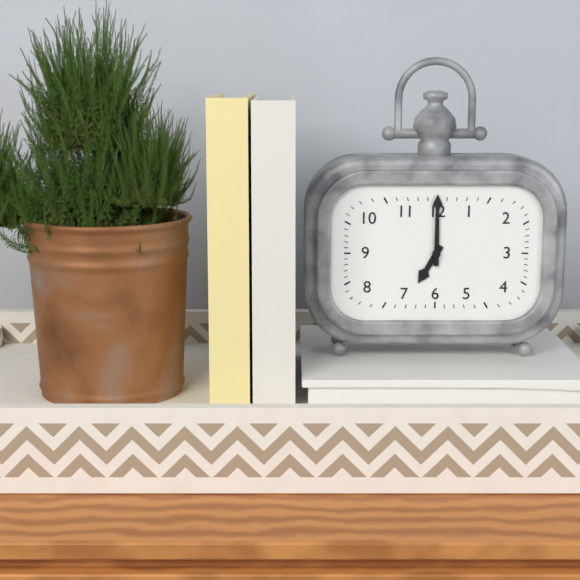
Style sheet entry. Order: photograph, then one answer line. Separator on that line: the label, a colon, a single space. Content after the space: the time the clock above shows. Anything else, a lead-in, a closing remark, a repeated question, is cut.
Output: 7:00
